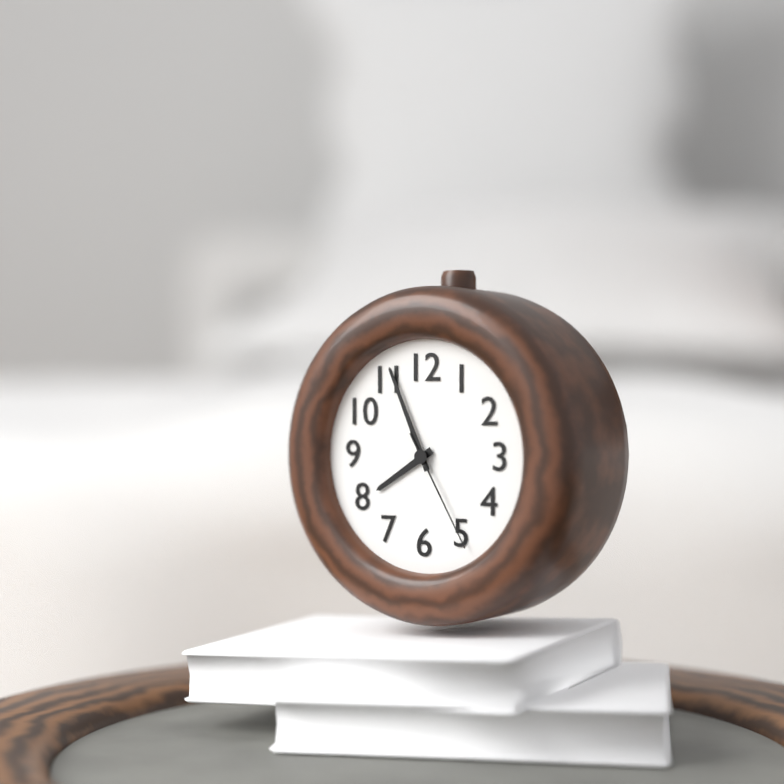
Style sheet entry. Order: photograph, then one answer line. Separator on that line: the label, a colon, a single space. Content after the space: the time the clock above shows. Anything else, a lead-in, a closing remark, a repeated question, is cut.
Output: 7:56:25
